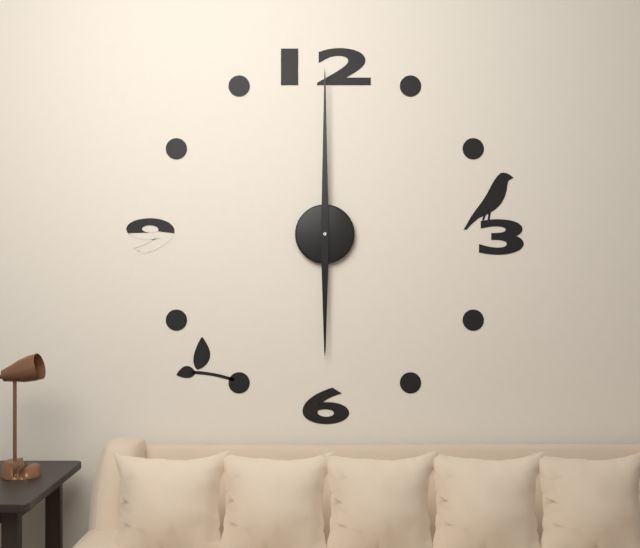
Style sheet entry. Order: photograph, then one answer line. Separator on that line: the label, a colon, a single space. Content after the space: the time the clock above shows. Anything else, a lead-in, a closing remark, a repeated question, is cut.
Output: 6:00
